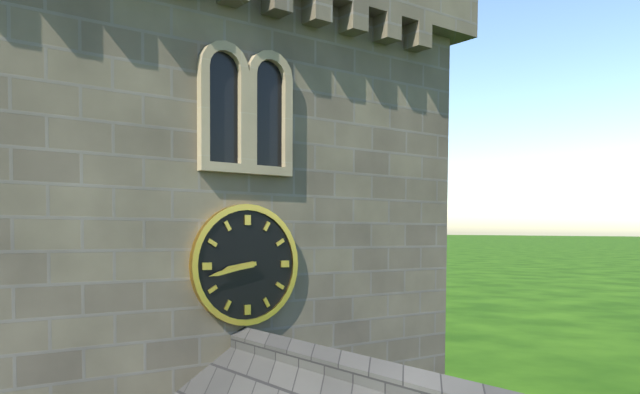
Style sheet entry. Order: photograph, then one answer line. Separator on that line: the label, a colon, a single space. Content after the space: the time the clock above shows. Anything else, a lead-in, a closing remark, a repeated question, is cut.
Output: 8:43
